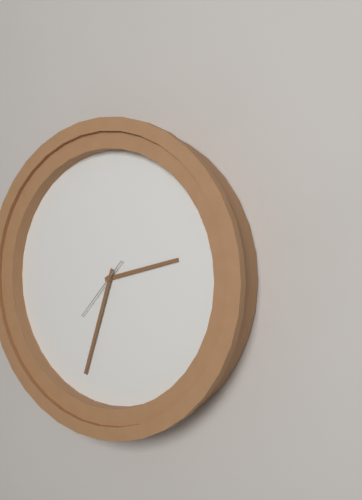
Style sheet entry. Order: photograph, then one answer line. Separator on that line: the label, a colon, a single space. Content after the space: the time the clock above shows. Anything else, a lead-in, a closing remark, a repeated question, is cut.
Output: 2:33:37
